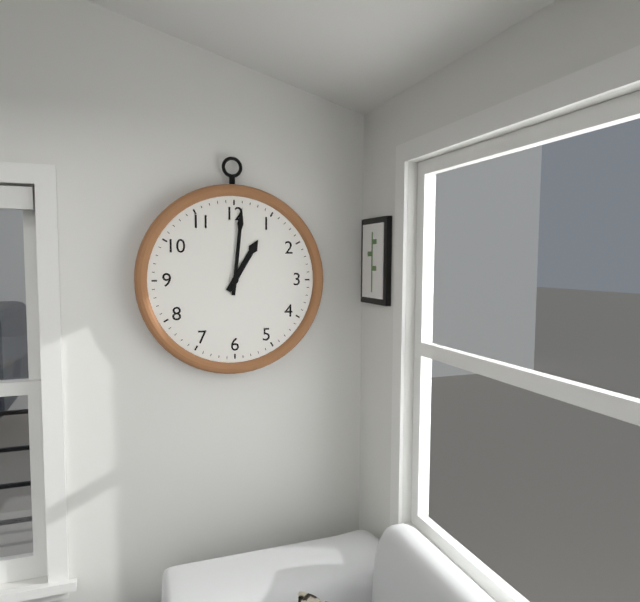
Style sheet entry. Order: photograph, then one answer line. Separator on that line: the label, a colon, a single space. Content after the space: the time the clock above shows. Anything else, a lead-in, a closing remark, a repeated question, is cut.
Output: 1:01
